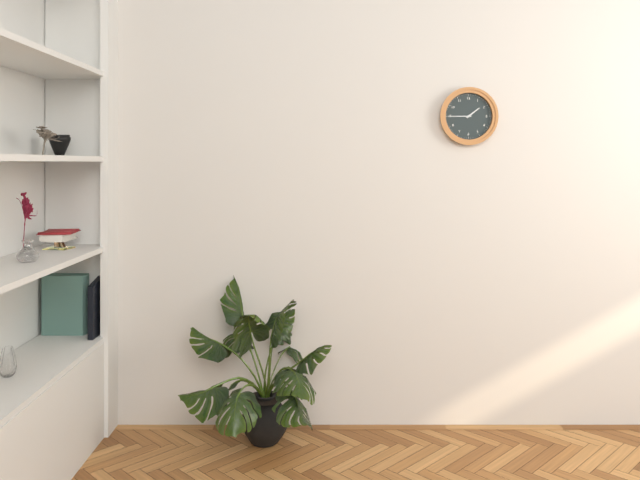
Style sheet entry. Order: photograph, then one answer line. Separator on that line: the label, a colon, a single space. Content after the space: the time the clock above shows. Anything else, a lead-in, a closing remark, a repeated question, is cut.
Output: 1:45
